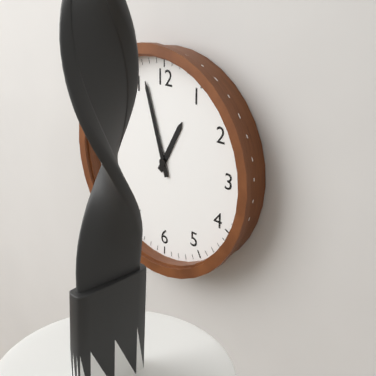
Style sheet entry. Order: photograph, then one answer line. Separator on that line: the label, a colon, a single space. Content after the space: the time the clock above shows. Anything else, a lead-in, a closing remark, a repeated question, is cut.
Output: 12:57
